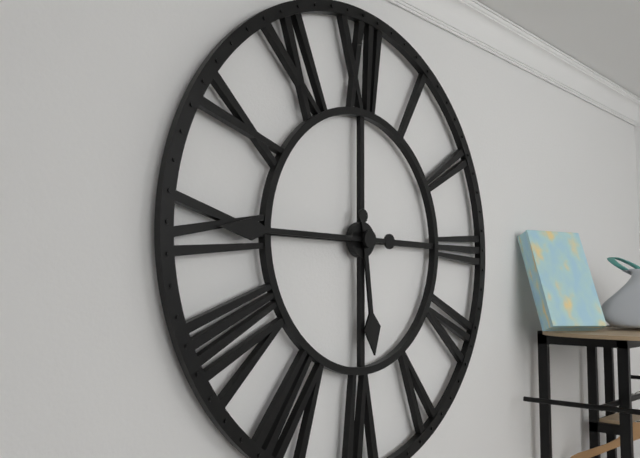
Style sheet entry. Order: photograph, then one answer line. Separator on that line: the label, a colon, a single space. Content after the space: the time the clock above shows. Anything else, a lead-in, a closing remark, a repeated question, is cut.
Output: 5:45
